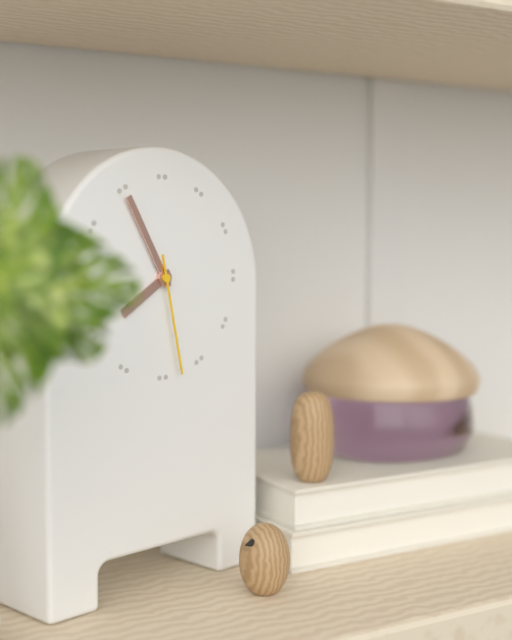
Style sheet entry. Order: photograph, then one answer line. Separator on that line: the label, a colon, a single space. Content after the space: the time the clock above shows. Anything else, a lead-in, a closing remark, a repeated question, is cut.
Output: 7:55:28
